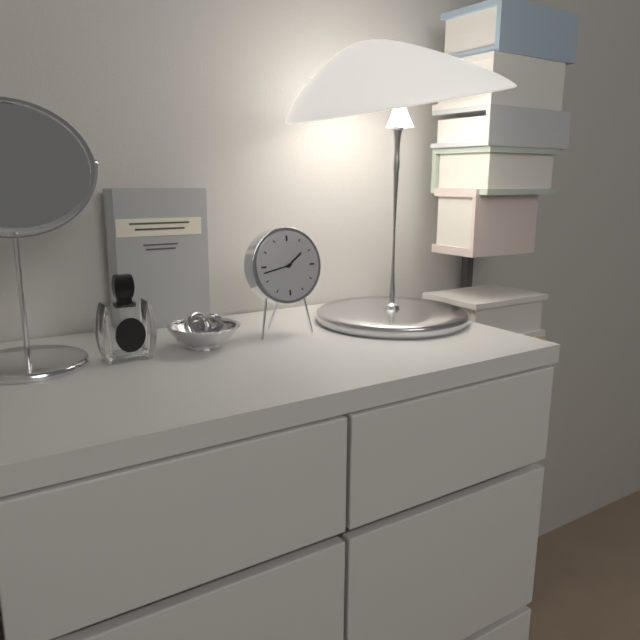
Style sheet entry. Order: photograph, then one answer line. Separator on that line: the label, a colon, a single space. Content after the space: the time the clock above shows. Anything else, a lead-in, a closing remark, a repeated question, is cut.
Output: 1:43
